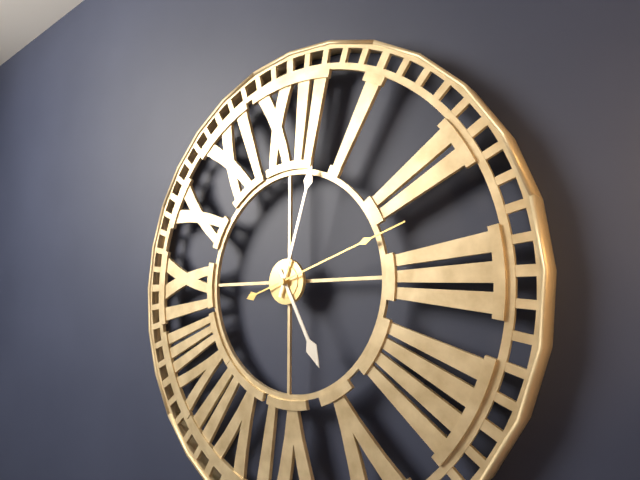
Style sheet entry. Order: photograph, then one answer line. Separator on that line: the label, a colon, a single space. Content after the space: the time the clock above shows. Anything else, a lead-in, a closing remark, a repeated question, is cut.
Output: 5:03:12
